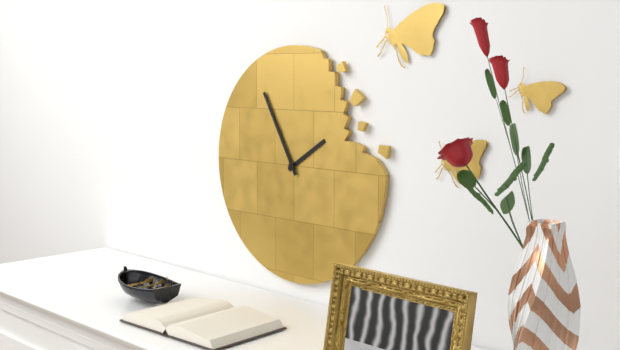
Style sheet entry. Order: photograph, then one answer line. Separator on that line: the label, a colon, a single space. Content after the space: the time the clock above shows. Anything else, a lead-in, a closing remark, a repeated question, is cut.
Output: 1:55
